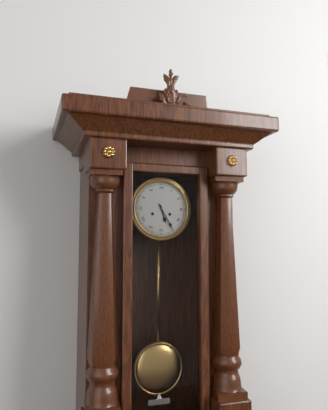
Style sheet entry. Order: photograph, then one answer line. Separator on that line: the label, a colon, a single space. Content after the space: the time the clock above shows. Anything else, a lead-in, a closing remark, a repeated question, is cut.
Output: 5:25
